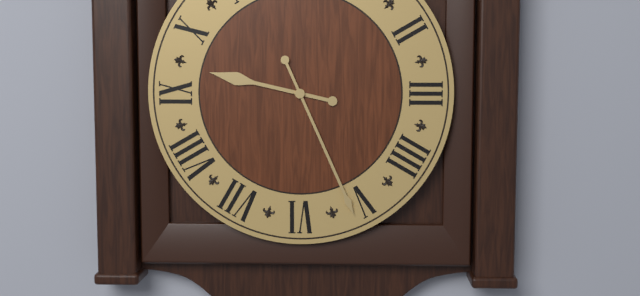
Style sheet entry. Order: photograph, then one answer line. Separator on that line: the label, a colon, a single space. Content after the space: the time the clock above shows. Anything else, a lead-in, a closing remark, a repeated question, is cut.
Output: 9:26
